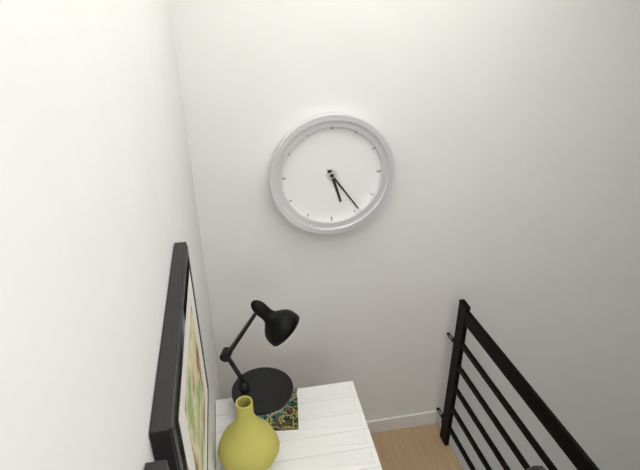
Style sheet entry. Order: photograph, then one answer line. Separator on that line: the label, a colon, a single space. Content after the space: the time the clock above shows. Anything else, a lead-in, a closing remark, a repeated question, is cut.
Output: 5:24
